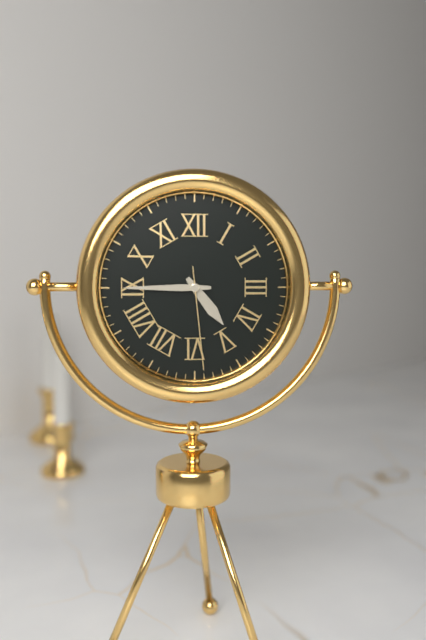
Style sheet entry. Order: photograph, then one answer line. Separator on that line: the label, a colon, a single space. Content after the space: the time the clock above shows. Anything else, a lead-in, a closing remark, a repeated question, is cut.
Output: 4:45:29
